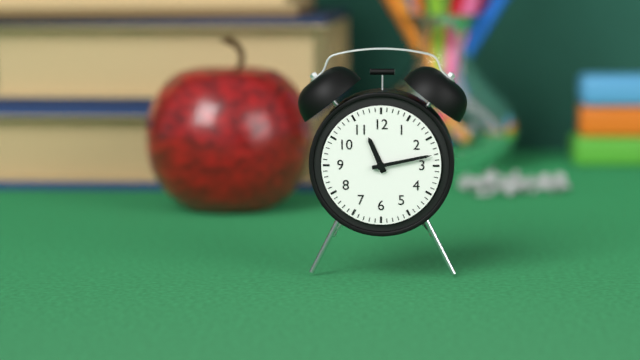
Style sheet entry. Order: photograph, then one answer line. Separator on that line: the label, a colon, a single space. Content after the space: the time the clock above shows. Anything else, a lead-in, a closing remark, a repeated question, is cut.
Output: 11:13
